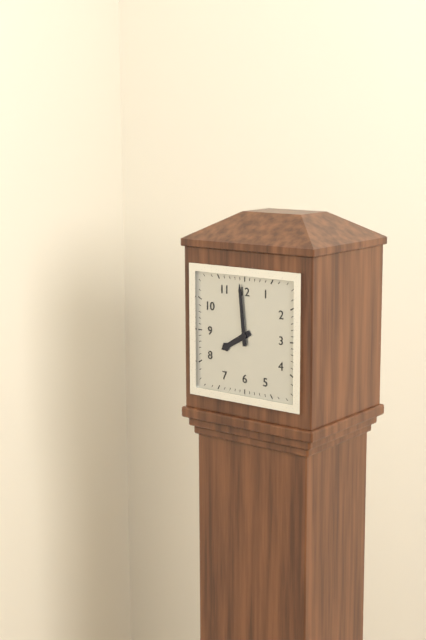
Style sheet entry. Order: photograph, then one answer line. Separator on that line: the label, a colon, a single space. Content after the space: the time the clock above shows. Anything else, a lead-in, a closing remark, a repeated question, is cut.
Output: 7:59
